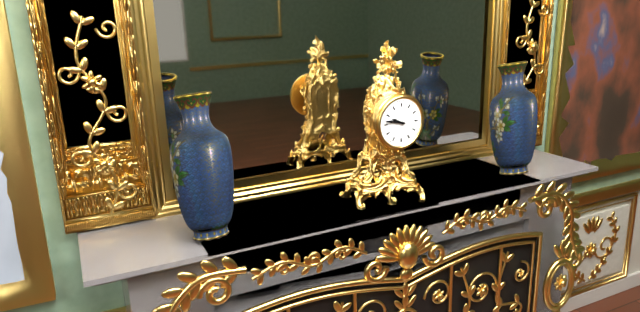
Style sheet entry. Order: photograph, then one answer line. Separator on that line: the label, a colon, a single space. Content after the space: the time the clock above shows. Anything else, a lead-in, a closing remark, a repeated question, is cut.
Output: 9:47
